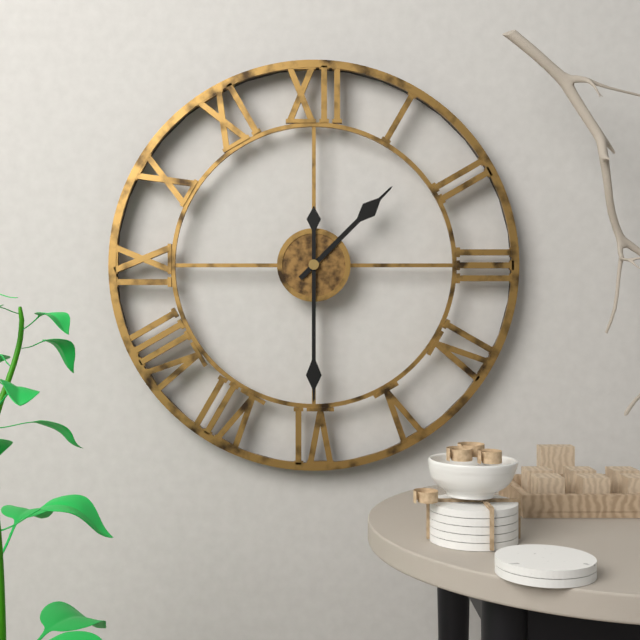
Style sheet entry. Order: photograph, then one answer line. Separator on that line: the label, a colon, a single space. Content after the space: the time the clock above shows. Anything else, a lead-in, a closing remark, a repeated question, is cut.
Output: 1:30
